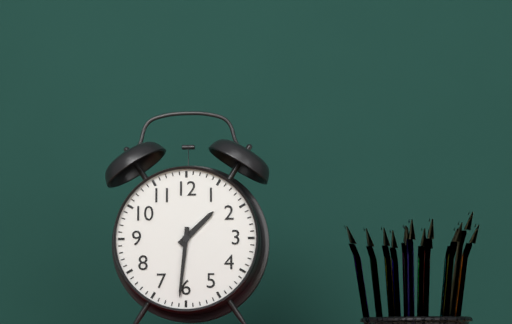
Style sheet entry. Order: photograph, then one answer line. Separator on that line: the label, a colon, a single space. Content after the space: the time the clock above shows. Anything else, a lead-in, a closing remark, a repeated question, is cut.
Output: 1:31
